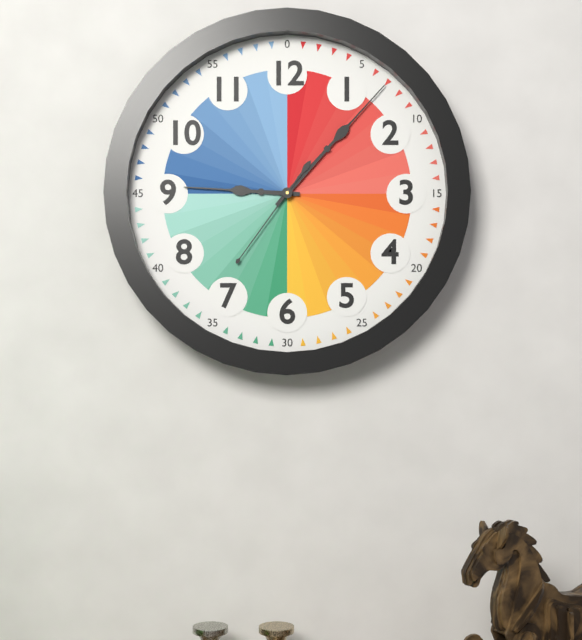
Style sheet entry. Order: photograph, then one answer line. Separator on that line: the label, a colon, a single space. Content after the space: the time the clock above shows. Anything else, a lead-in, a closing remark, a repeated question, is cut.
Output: 9:07:36
